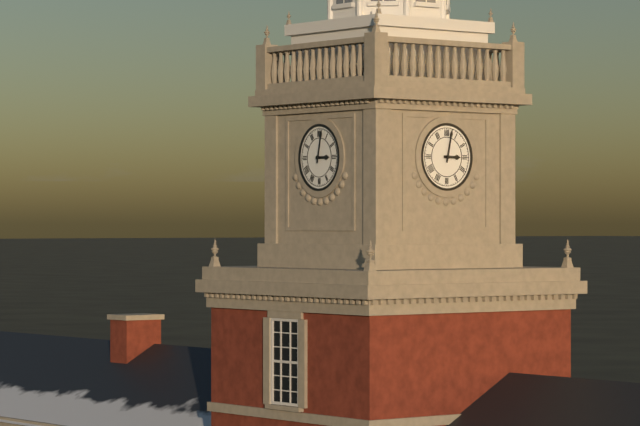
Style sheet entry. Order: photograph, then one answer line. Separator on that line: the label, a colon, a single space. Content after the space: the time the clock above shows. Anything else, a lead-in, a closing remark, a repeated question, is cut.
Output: 3:02
